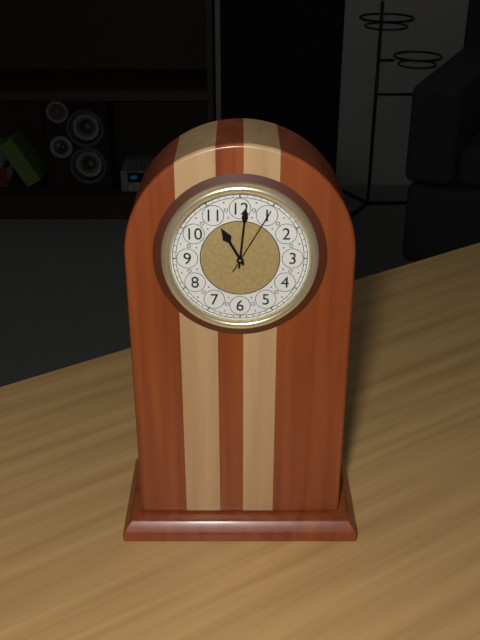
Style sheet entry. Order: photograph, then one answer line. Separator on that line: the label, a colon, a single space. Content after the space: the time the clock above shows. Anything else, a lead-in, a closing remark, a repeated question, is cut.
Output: 11:01:05
